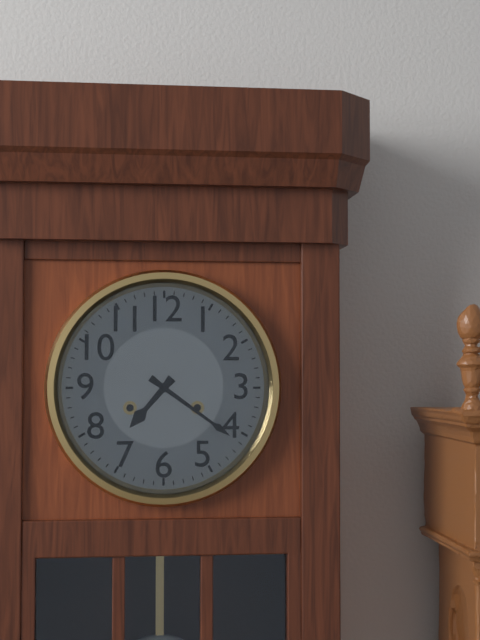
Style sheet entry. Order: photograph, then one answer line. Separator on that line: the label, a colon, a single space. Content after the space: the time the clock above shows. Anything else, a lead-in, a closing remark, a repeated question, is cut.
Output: 7:21
